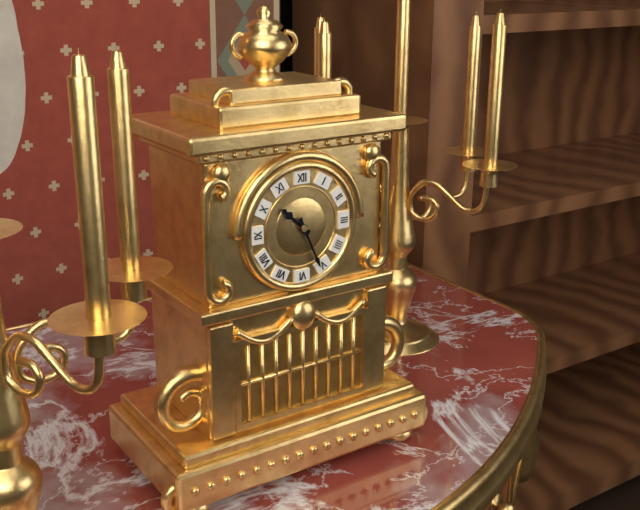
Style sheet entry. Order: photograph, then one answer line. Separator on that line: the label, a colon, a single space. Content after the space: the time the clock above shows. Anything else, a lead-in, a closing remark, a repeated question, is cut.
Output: 10:26
